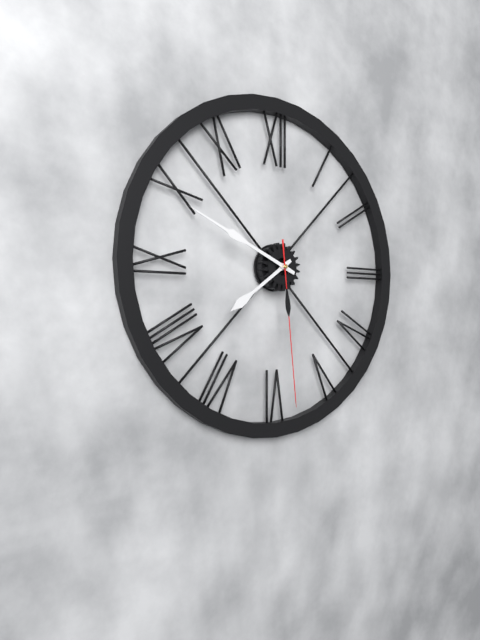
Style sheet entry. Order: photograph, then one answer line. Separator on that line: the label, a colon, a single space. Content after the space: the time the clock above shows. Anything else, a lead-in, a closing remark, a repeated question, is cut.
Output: 7:49:29
